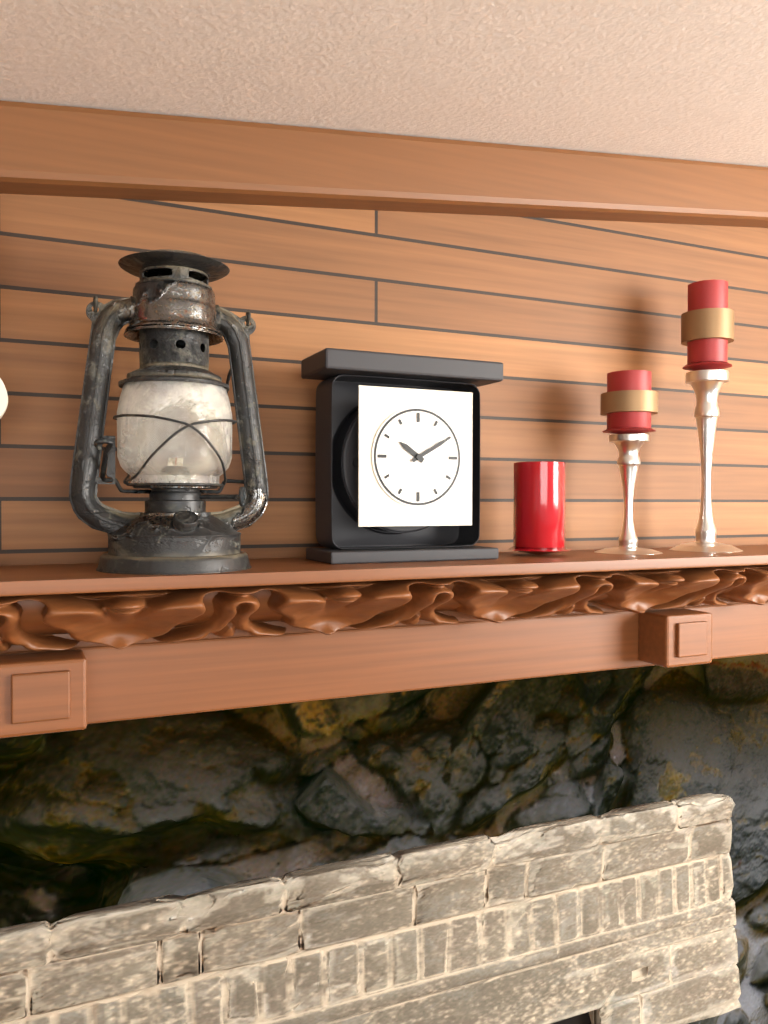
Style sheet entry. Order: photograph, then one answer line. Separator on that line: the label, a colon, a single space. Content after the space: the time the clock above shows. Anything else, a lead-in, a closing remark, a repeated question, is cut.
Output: 10:10
